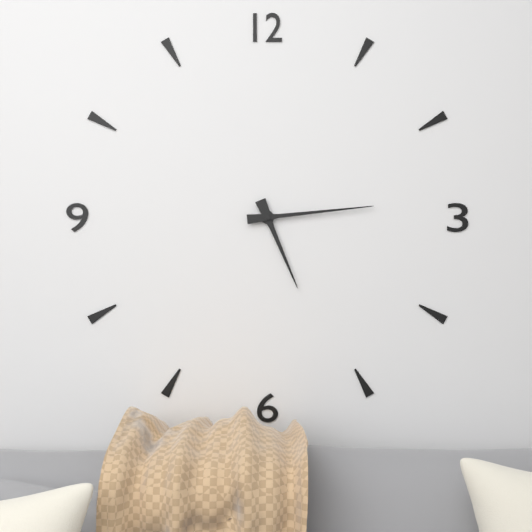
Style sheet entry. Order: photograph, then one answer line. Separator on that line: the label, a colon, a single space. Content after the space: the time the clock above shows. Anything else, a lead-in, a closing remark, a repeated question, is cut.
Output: 5:14
